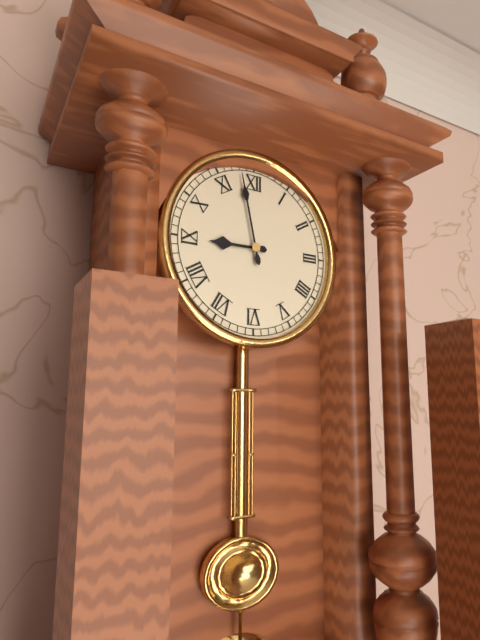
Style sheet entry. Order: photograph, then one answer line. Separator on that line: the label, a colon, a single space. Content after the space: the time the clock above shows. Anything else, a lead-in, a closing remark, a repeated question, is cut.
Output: 8:58
